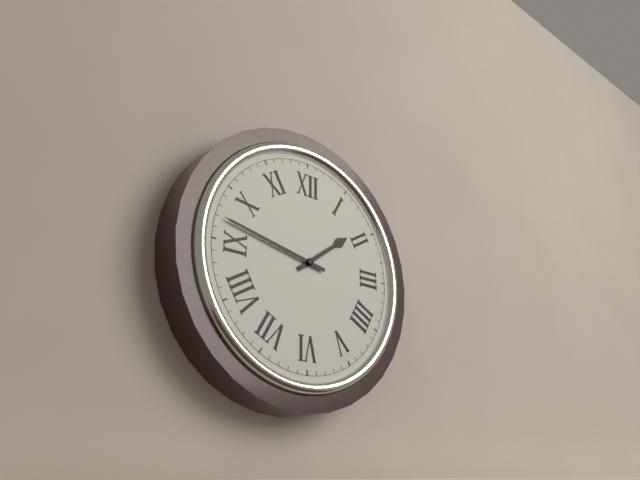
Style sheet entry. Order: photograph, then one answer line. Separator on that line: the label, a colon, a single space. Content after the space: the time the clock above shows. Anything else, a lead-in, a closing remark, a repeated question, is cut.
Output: 1:47
